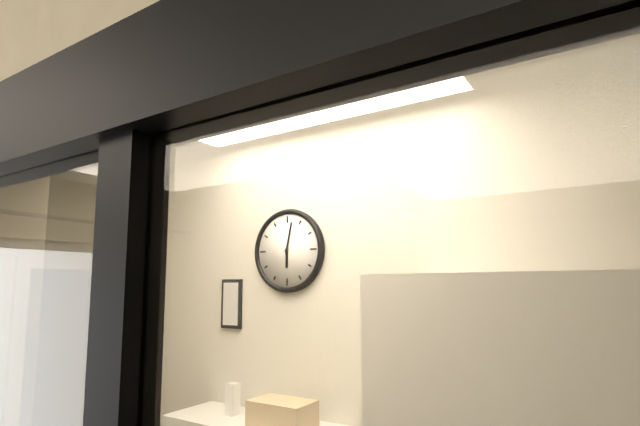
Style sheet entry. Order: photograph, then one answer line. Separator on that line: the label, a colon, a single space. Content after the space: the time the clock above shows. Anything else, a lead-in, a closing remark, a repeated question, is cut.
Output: 6:02
